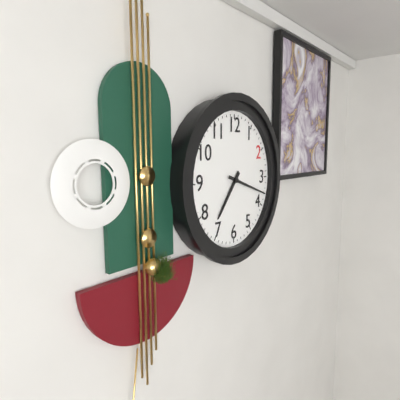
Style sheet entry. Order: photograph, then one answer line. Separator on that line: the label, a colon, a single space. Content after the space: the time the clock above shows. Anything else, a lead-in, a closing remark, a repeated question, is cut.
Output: 7:18
